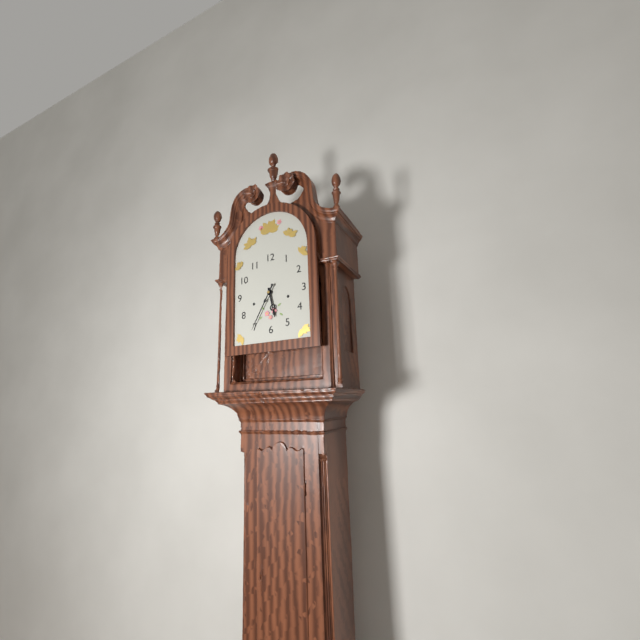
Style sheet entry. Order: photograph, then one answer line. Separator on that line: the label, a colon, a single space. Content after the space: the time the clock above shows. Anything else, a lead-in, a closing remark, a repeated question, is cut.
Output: 5:35
